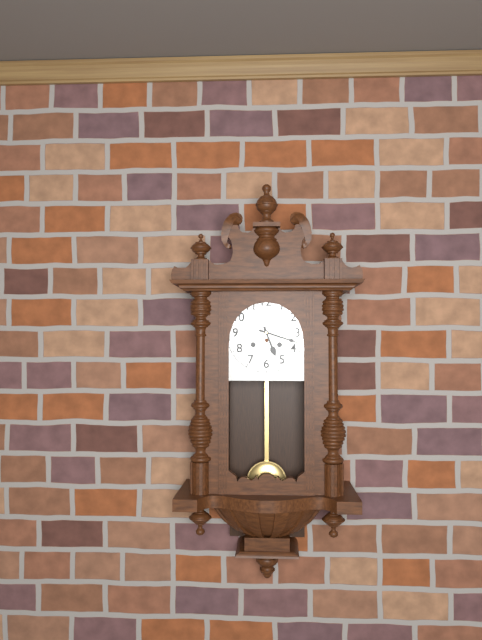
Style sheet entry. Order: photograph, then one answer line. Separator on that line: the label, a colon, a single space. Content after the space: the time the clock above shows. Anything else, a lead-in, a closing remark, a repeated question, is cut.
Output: 5:18
